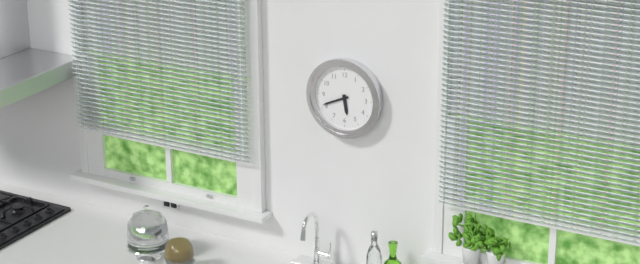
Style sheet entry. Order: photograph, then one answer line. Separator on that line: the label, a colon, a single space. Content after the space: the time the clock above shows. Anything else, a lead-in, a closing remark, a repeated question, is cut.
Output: 5:41
